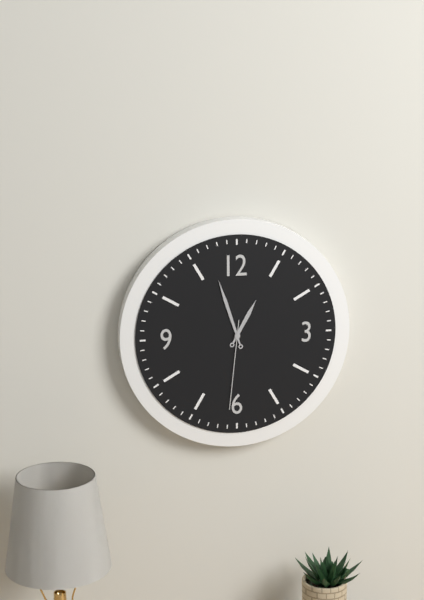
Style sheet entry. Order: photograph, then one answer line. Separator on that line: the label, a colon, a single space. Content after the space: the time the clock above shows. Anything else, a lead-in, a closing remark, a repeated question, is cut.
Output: 12:57:31
